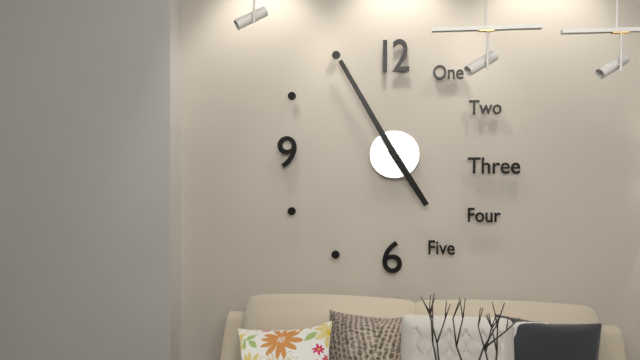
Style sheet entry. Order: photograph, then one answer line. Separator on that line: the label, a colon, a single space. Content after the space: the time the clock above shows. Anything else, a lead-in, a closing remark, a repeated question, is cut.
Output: 4:55
